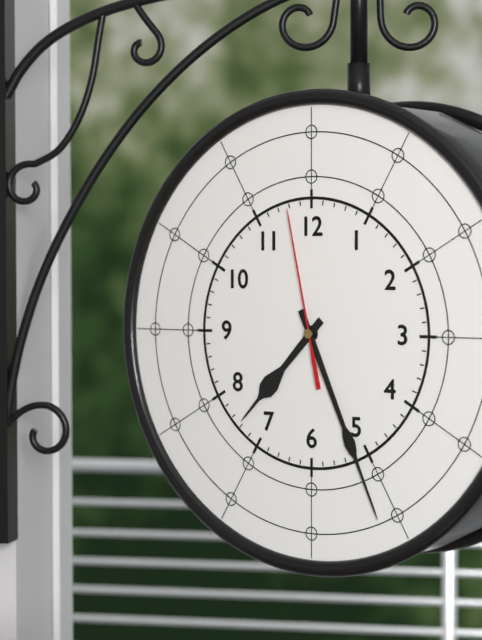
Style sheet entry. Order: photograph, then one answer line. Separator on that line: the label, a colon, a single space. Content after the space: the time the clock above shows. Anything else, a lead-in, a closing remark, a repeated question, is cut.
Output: 7:26:58
